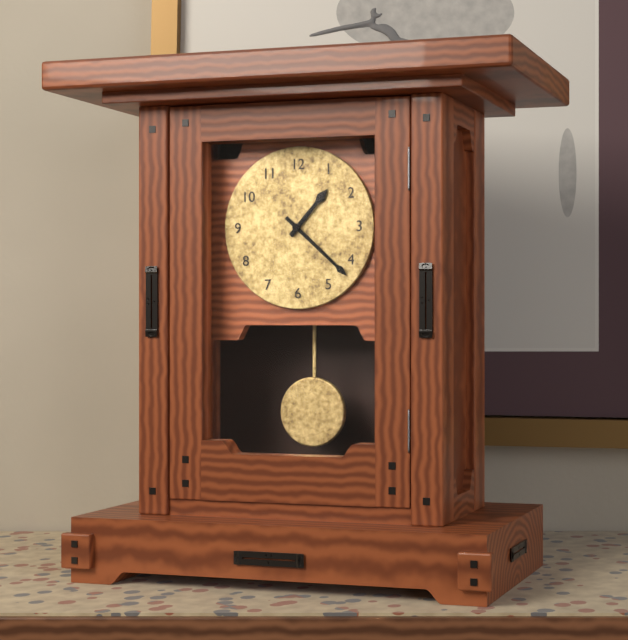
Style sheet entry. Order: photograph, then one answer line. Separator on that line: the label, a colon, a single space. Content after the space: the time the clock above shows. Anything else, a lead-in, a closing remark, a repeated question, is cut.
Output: 1:22
